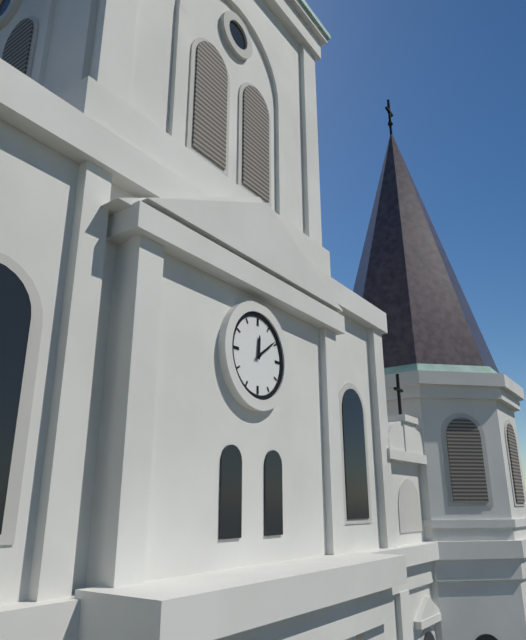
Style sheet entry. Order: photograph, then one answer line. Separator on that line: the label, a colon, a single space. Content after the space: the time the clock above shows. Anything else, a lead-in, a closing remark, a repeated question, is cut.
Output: 12:09
